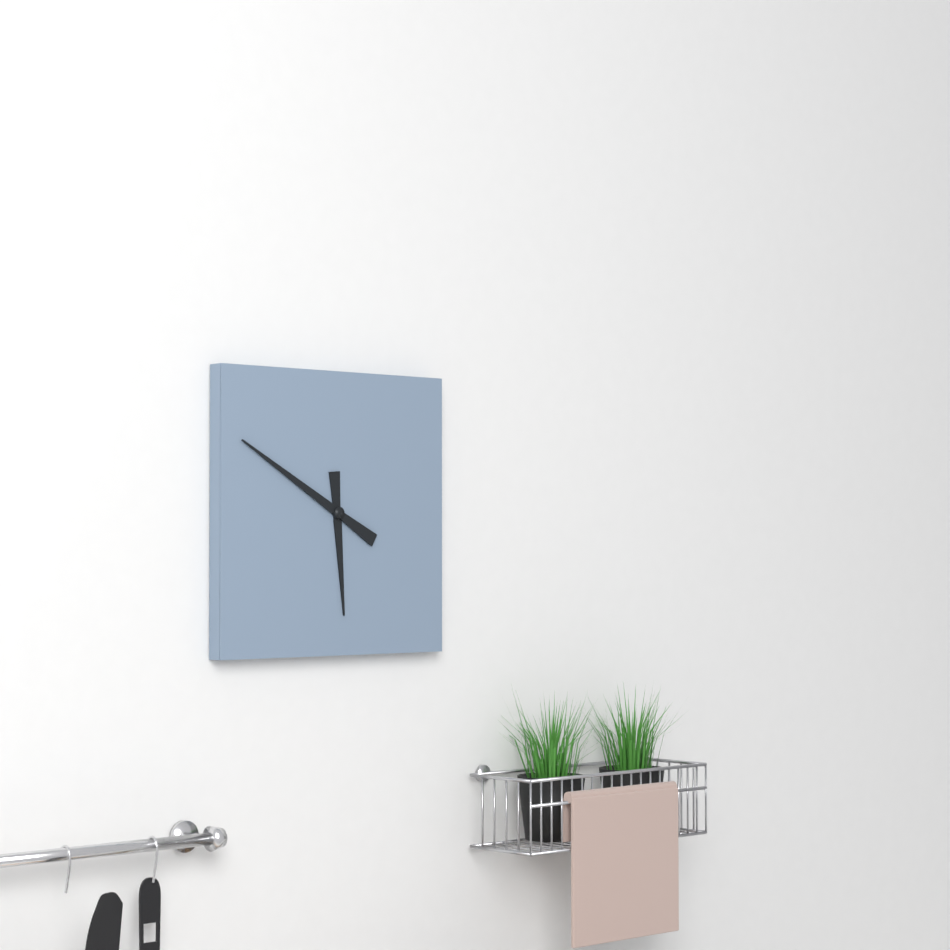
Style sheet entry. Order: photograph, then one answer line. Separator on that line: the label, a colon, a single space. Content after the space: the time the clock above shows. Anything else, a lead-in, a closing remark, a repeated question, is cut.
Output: 5:50
